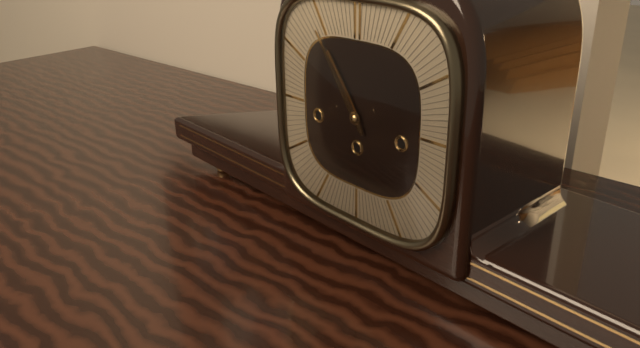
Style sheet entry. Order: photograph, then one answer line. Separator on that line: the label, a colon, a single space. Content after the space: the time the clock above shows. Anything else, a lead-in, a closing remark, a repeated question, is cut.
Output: 10:54
